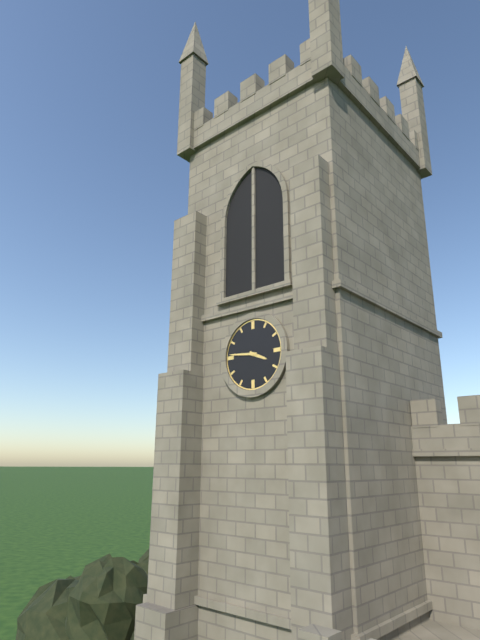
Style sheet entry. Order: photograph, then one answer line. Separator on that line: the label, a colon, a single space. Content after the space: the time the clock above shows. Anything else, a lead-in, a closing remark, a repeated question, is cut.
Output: 3:46
